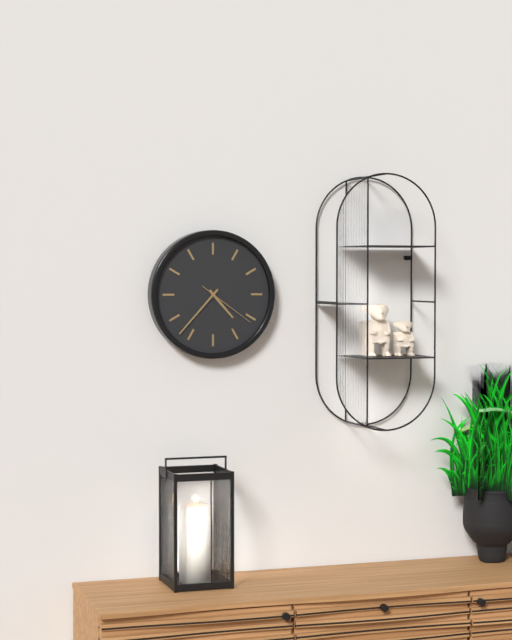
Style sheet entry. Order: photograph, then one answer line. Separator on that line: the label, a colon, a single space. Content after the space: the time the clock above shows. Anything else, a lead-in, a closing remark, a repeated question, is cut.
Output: 4:37:21
